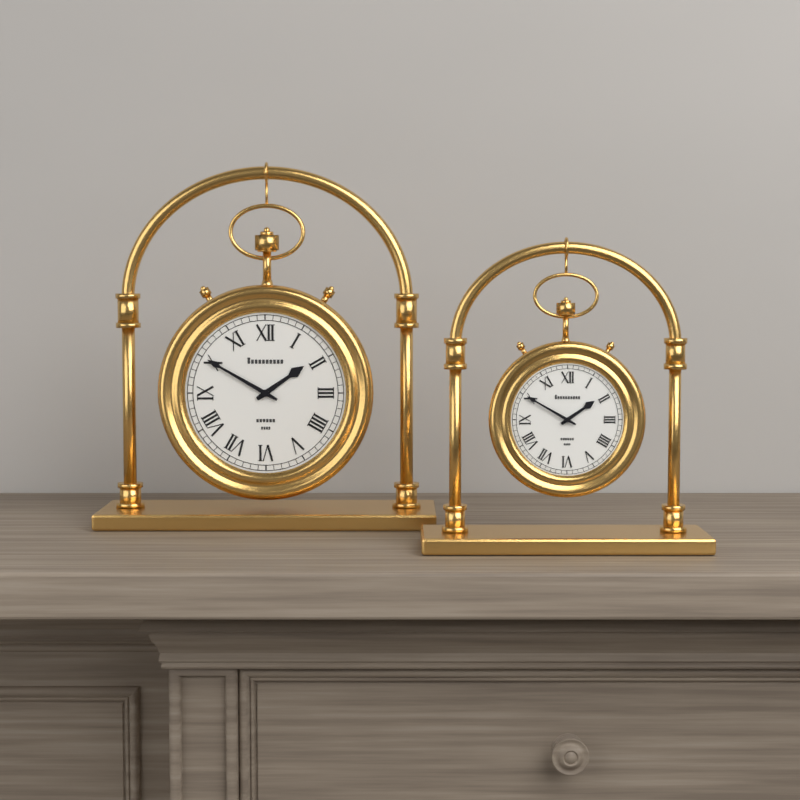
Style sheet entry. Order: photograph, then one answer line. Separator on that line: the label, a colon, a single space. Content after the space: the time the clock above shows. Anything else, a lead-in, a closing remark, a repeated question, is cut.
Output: 1:50
